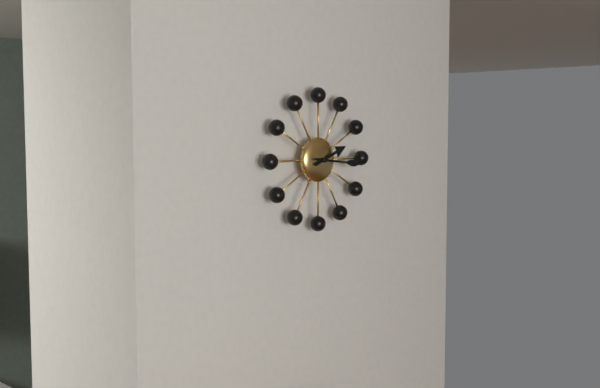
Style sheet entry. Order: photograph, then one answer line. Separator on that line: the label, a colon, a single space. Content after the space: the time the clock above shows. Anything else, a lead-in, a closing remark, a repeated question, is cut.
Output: 2:16
